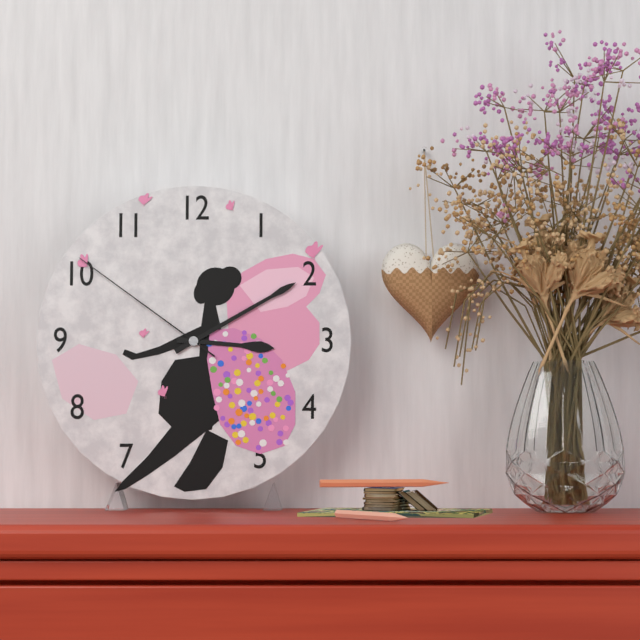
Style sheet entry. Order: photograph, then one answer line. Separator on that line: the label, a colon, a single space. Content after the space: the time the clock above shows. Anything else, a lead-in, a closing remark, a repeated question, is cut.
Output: 3:10:51
